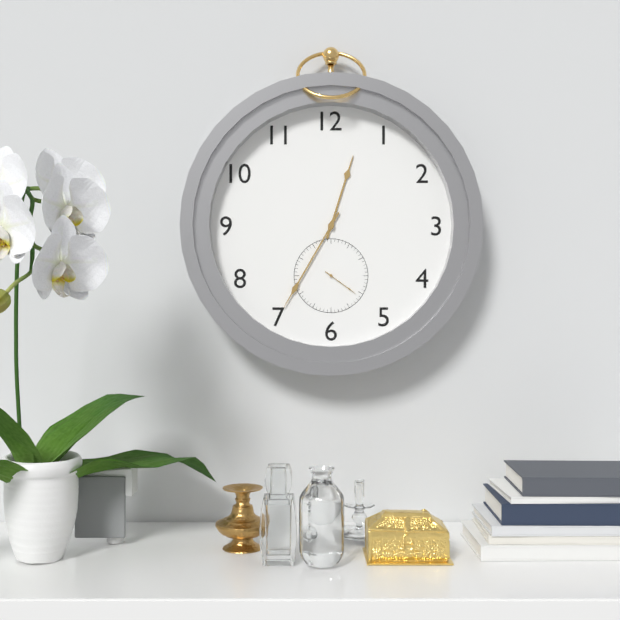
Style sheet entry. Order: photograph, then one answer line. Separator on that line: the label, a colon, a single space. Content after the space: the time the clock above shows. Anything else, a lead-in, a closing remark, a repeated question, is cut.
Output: 12:35
